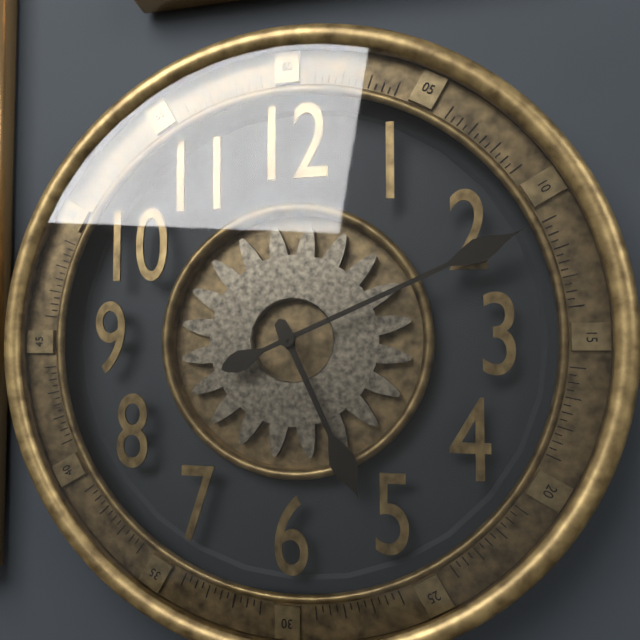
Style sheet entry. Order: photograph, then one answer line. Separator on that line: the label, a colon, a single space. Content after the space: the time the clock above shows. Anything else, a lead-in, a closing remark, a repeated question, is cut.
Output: 5:11
